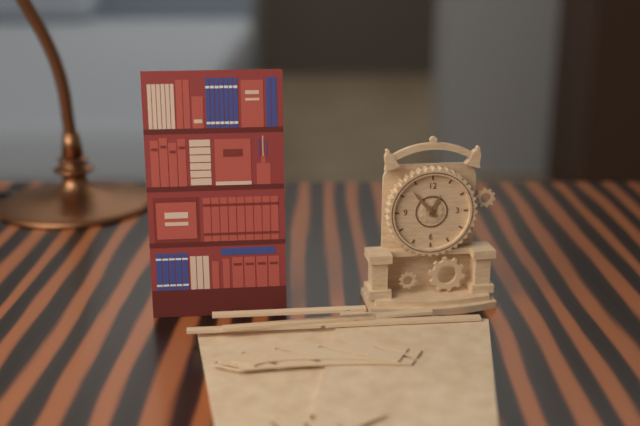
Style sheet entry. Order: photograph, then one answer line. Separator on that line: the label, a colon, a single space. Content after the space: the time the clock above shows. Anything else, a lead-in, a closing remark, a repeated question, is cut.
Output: 12:53
